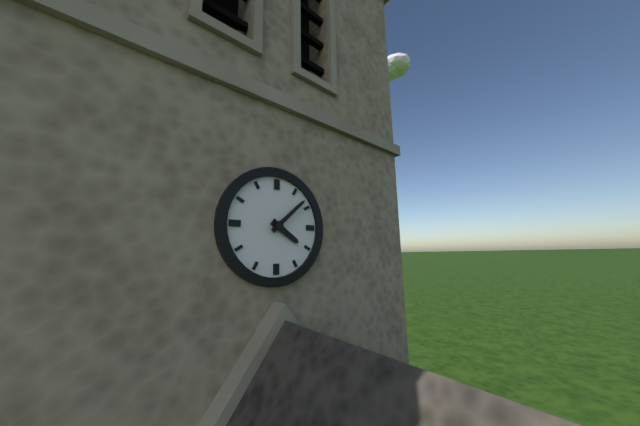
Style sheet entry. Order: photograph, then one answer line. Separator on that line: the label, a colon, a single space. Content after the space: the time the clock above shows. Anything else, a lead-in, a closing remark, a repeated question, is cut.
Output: 4:08
